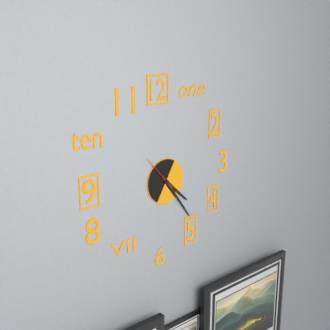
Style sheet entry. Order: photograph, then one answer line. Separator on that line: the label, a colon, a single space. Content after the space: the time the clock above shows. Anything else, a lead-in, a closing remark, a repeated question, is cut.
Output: 4:24
